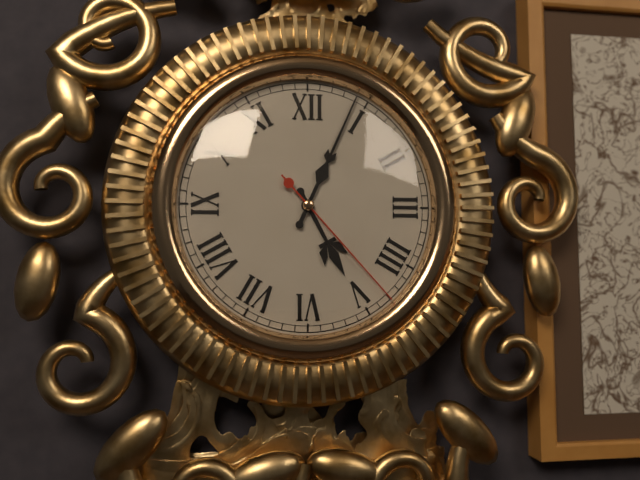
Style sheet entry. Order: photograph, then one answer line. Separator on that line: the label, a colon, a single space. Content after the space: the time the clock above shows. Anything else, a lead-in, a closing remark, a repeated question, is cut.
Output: 5:04:23
